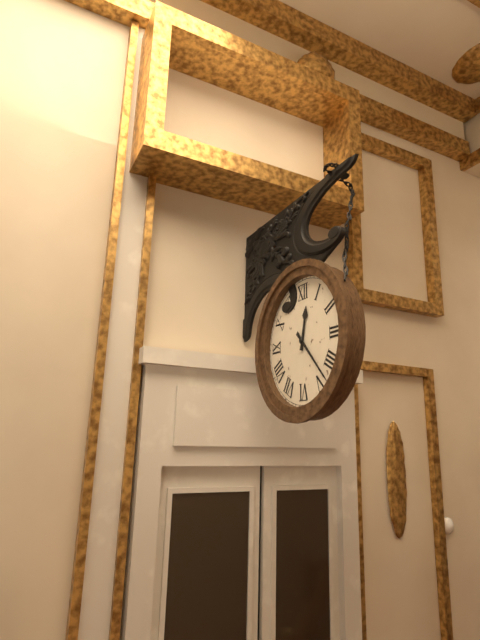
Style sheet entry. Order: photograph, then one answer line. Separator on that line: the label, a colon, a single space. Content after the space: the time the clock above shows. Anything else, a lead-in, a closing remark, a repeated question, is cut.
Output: 12:23
